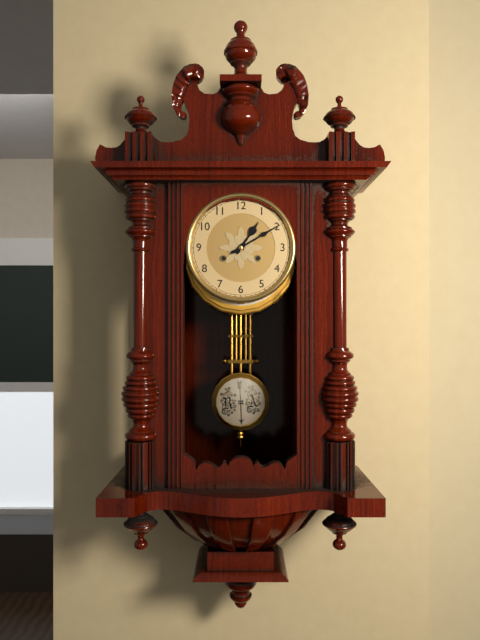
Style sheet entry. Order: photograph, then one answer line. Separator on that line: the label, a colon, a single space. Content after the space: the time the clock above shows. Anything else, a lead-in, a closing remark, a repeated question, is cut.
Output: 1:10
